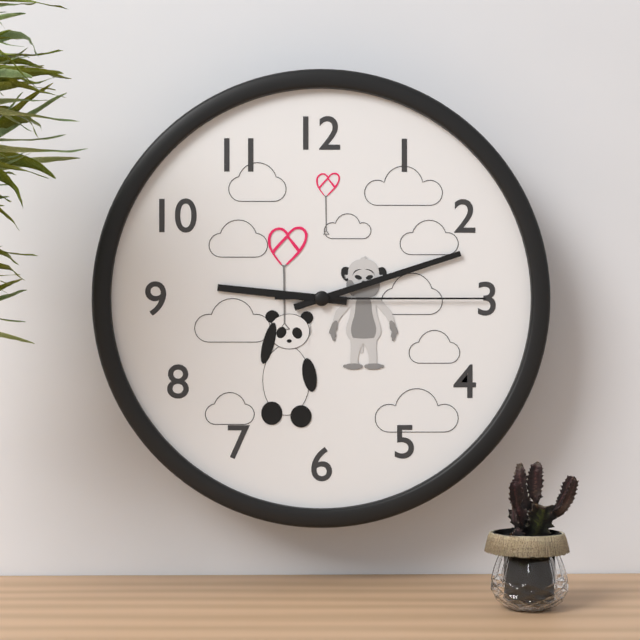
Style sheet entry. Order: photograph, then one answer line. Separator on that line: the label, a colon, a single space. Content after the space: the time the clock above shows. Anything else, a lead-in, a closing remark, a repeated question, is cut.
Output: 9:12:15
